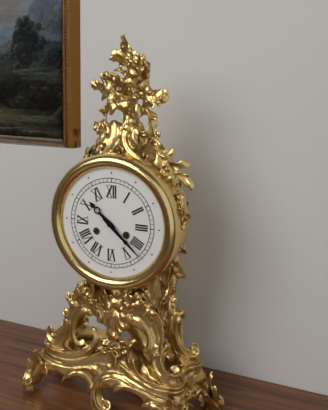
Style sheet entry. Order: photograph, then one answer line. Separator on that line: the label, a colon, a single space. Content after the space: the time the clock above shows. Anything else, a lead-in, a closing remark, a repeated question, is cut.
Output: 10:22
